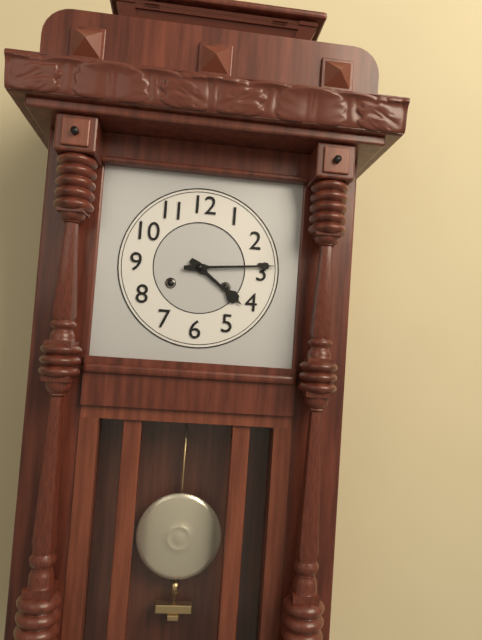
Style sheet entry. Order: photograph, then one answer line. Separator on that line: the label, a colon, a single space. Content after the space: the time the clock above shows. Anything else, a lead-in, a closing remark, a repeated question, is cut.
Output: 4:14
